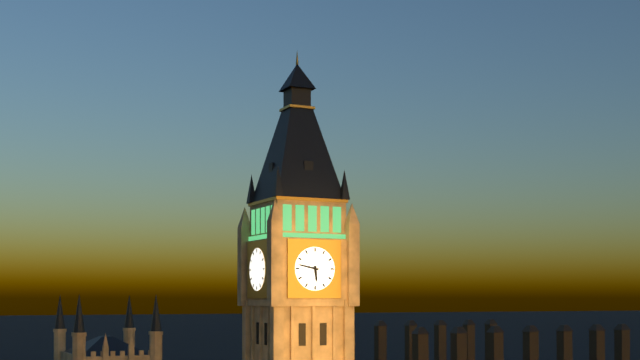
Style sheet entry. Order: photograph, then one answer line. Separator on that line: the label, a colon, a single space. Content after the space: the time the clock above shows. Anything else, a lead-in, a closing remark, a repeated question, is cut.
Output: 5:47
